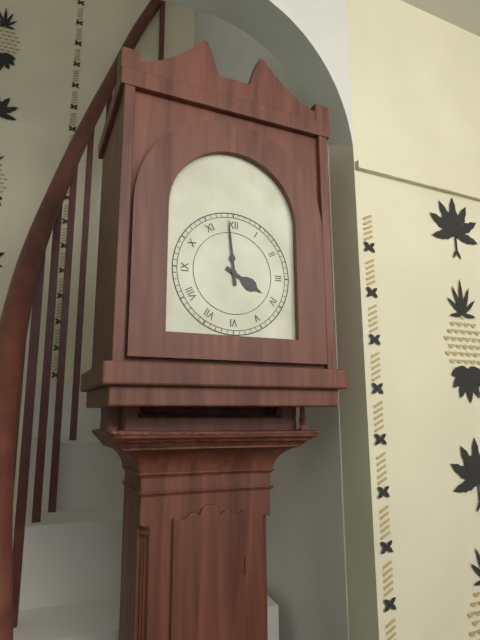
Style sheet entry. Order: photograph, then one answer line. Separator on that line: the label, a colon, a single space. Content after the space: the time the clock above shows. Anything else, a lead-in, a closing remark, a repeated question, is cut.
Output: 3:59
